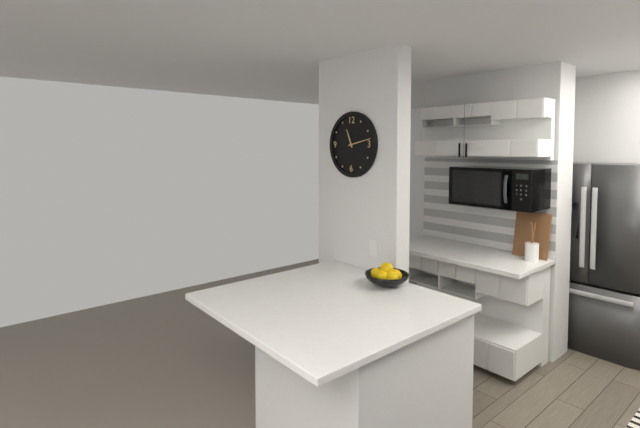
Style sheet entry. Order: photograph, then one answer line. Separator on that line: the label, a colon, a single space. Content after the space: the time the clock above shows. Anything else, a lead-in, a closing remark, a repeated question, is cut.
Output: 11:13
